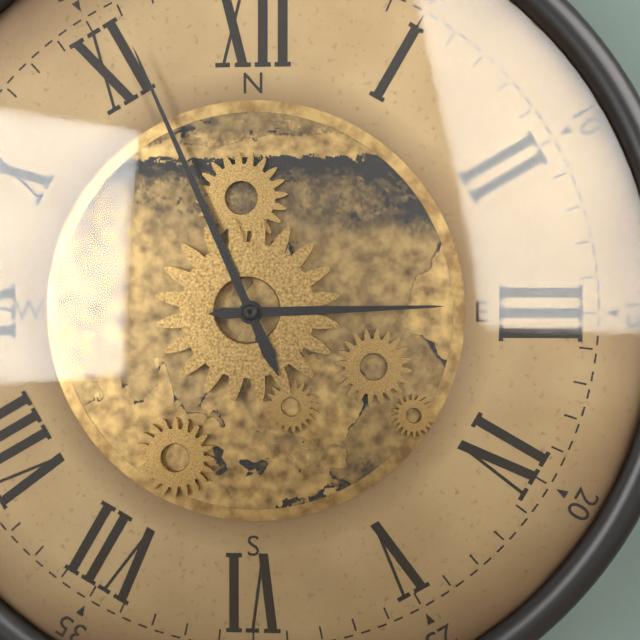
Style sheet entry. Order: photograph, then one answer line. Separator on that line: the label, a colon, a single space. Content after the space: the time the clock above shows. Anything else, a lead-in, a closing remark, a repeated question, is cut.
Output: 2:56
